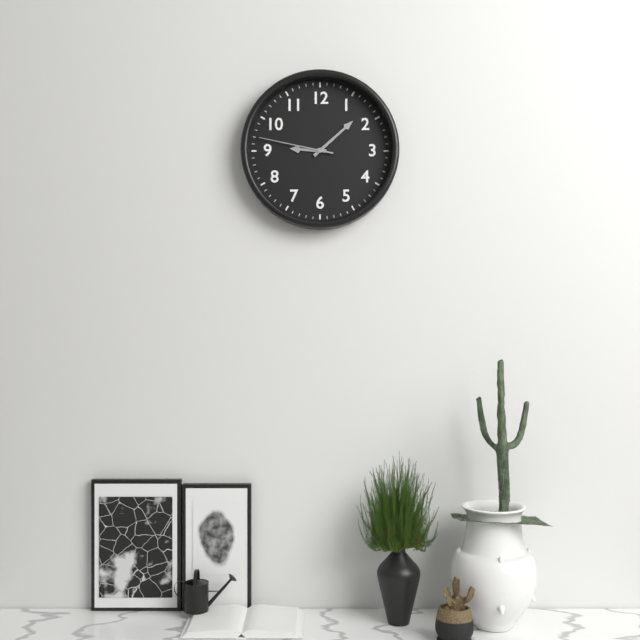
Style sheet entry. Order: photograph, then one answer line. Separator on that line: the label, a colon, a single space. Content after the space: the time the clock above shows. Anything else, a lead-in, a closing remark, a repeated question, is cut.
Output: 9:08:47
